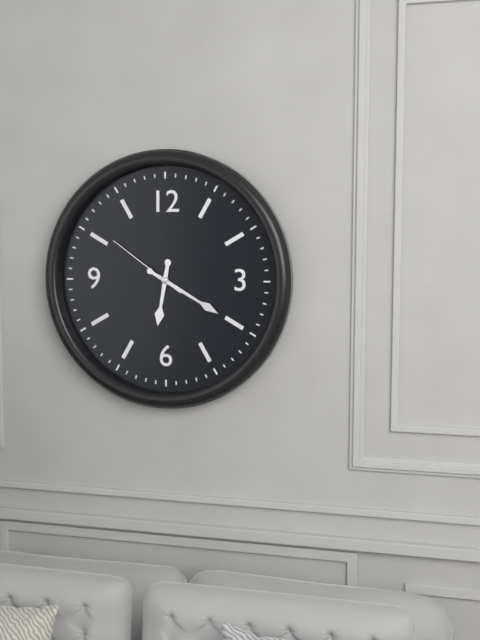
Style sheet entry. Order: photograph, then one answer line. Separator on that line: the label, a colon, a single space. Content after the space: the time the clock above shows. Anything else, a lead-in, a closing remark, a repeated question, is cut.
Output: 6:20:51
